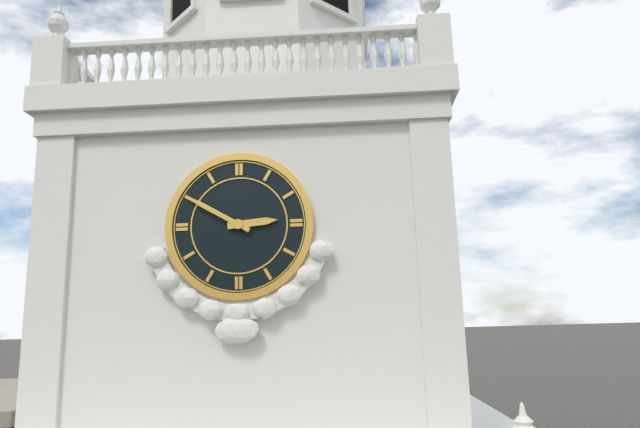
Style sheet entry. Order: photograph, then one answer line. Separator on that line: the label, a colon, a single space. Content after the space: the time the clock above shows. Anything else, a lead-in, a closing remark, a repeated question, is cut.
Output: 2:50
